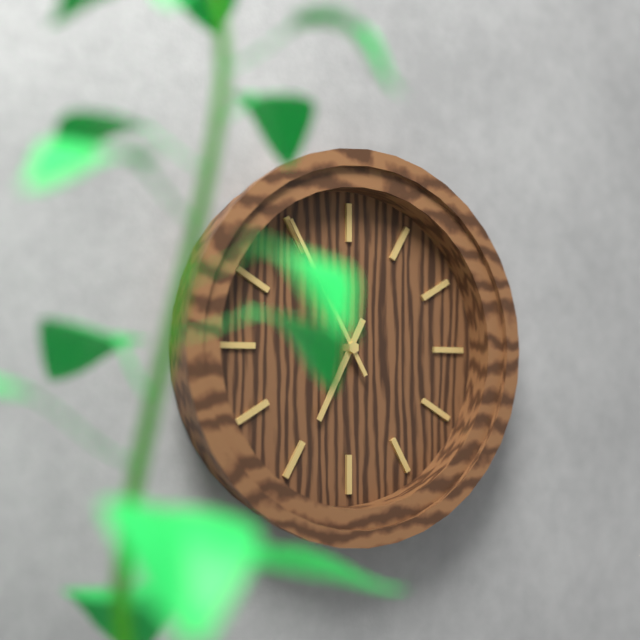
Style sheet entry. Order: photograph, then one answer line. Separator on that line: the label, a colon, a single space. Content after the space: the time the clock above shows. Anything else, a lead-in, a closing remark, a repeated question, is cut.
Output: 6:55
